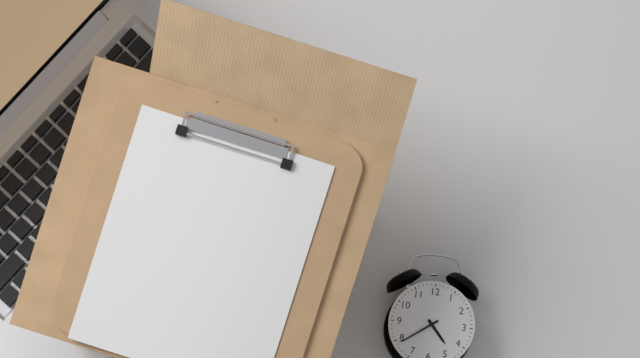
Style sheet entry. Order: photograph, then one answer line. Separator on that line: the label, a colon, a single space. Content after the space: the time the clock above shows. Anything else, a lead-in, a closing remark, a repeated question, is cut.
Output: 4:39
